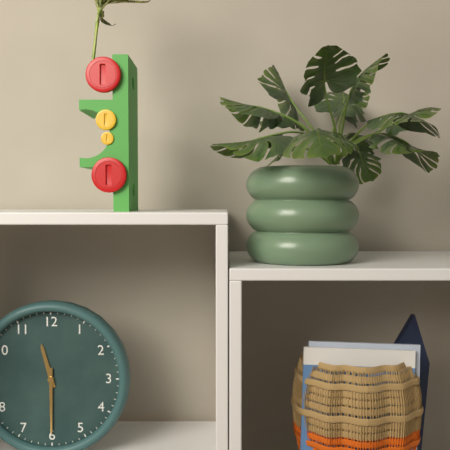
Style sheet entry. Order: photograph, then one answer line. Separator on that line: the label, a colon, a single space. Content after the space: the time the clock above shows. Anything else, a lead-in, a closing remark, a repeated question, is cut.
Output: 11:30
